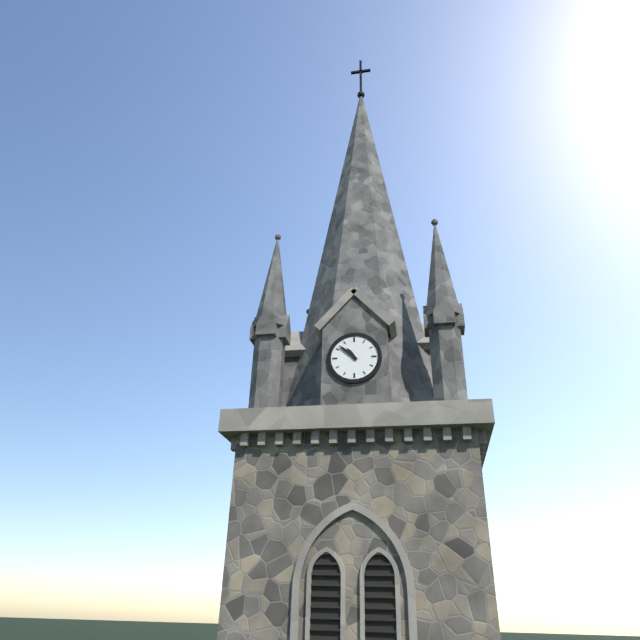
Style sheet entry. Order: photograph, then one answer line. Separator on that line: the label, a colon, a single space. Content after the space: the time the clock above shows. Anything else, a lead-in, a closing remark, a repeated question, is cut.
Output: 10:52
